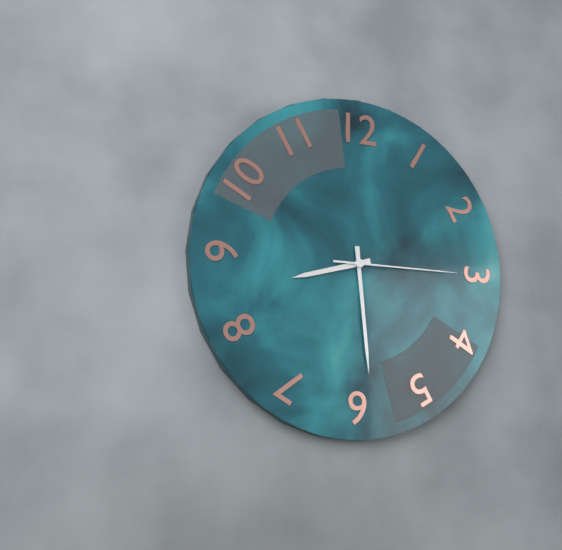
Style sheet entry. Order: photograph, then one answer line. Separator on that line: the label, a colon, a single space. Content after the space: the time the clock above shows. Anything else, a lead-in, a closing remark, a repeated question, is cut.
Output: 8:29:15
